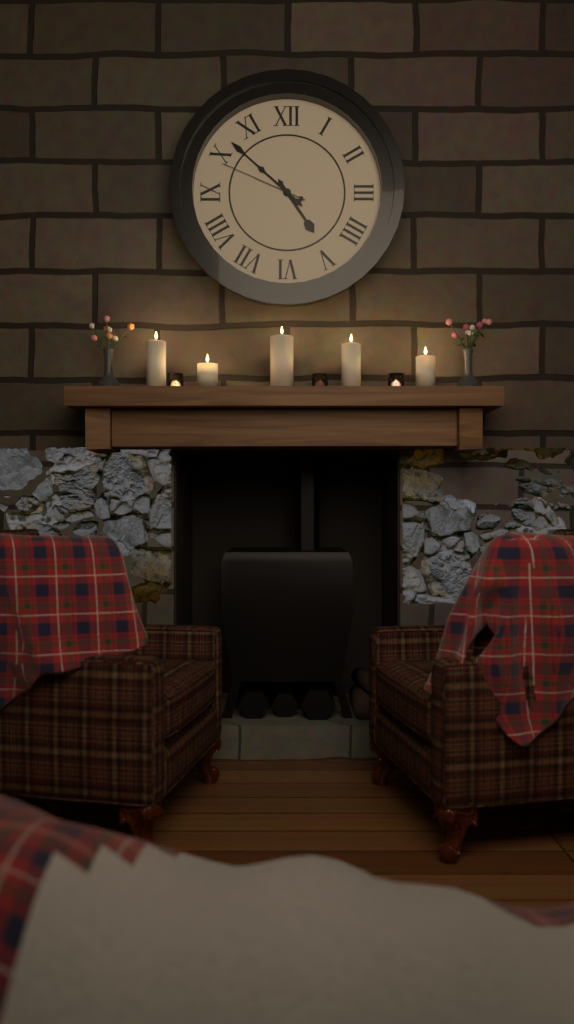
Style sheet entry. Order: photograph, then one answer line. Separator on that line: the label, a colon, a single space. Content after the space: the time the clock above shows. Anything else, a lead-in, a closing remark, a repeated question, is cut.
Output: 4:52:49
